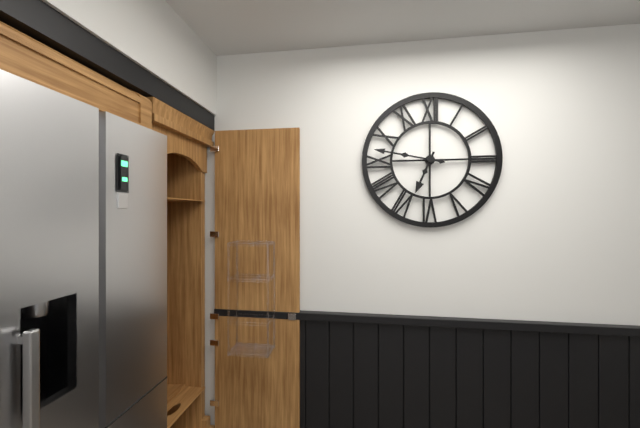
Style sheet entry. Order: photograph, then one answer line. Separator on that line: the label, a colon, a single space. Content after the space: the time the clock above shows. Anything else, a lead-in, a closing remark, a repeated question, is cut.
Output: 6:47
